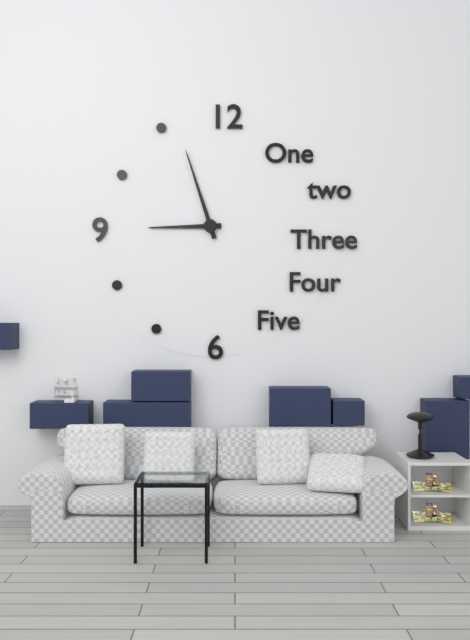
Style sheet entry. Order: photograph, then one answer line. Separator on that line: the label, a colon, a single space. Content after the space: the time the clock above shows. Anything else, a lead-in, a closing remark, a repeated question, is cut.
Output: 8:57
